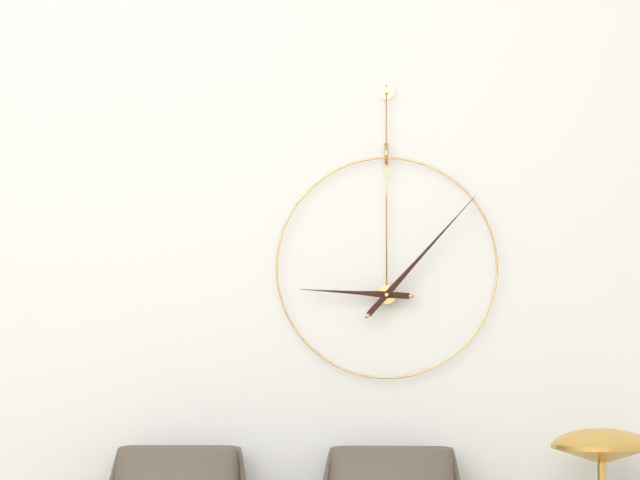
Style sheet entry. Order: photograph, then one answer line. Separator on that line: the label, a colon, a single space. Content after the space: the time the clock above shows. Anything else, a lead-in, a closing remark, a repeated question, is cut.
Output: 9:07
